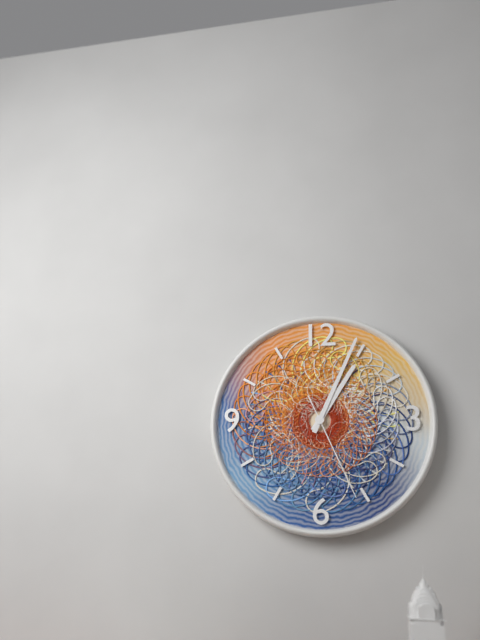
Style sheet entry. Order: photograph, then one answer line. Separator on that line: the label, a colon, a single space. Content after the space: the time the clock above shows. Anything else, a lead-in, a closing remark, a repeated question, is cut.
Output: 1:04:26
